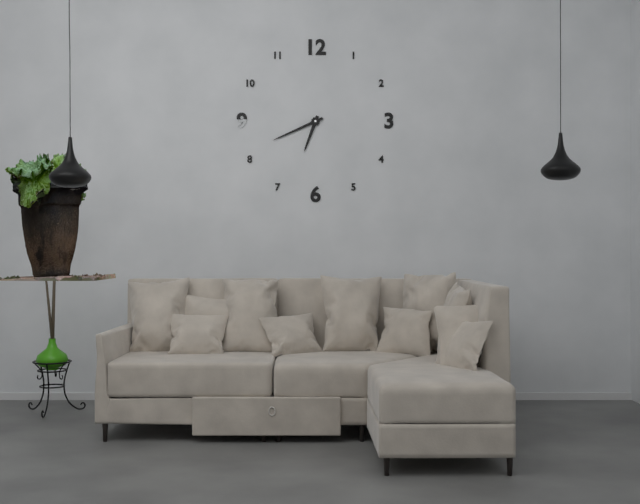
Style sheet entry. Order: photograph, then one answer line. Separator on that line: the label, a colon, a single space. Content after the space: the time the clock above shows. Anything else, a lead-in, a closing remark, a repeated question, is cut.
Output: 6:41
